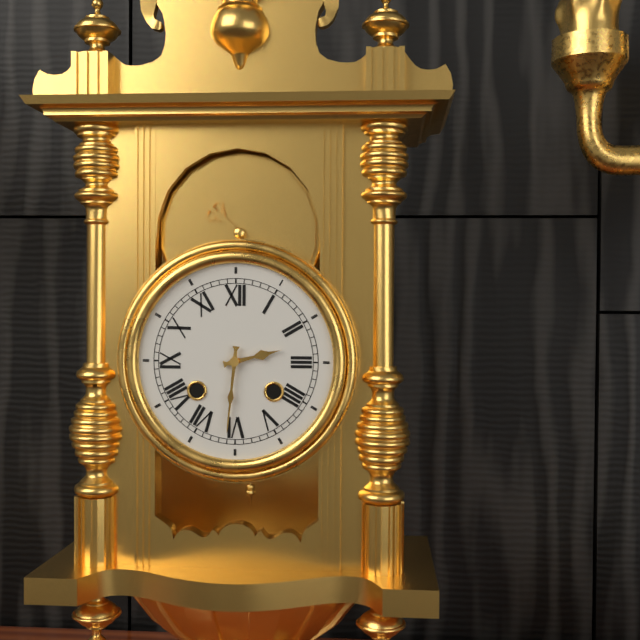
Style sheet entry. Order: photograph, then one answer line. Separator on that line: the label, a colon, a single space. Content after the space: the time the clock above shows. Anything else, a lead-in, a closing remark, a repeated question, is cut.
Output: 2:31
